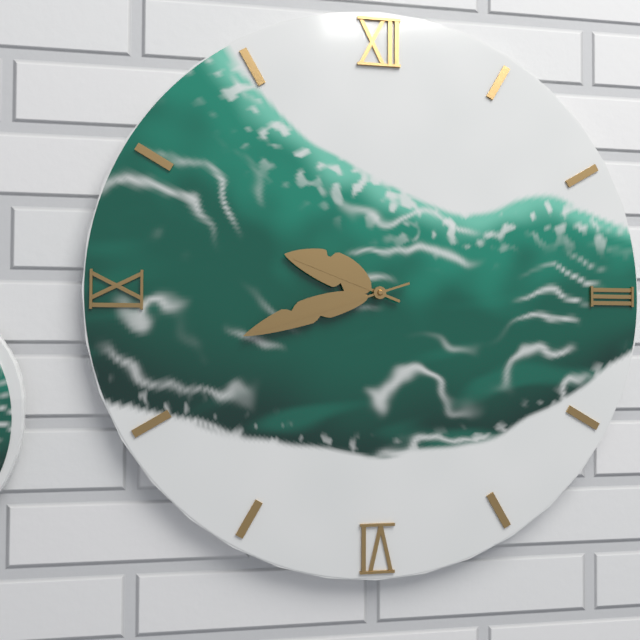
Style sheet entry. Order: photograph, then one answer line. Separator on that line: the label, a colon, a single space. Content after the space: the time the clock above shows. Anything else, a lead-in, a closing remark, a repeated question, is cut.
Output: 9:42
